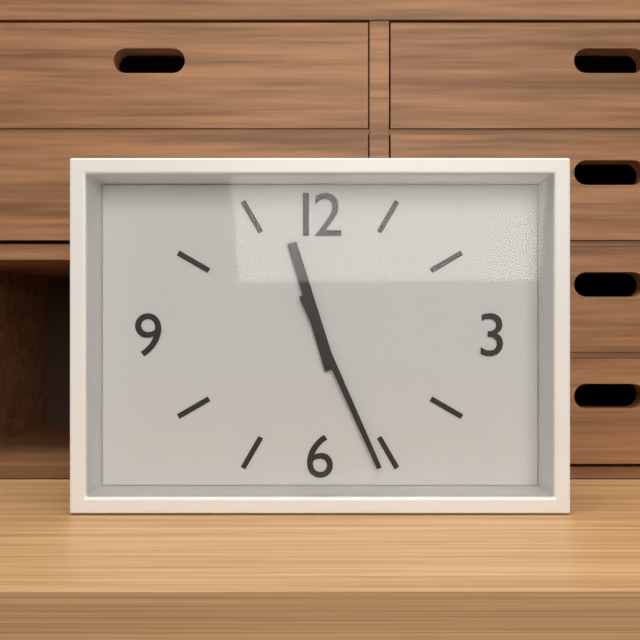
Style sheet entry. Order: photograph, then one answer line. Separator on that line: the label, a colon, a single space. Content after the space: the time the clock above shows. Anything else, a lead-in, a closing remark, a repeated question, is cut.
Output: 11:26
